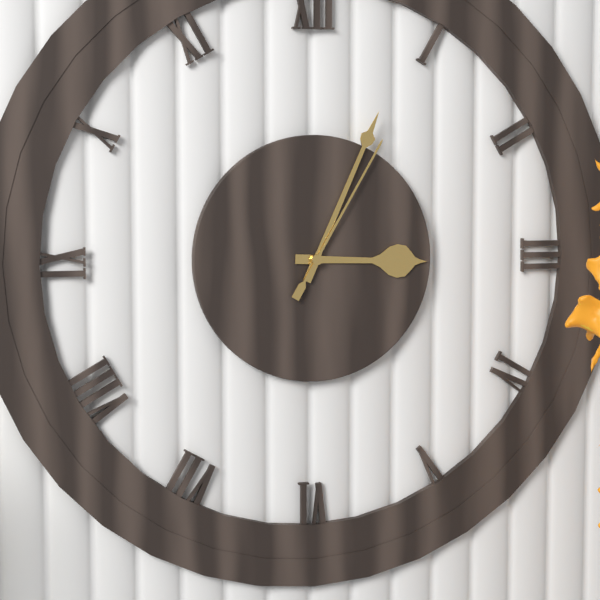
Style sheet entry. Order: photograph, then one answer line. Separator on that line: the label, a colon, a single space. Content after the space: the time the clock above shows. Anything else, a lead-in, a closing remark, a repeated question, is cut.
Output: 3:04:05
